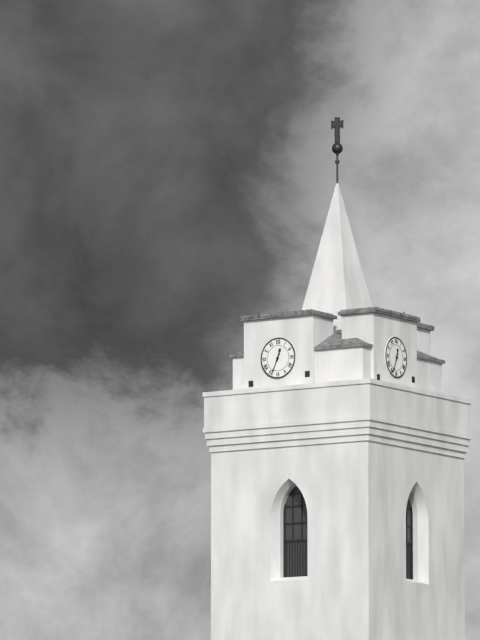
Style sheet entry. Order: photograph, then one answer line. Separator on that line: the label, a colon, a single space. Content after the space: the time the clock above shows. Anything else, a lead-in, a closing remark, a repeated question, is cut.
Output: 12:34
